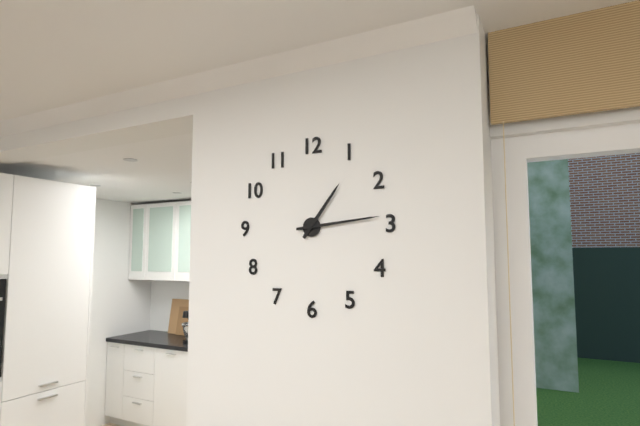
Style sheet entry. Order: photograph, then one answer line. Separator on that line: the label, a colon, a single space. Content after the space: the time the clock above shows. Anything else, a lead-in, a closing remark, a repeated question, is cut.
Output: 1:14
